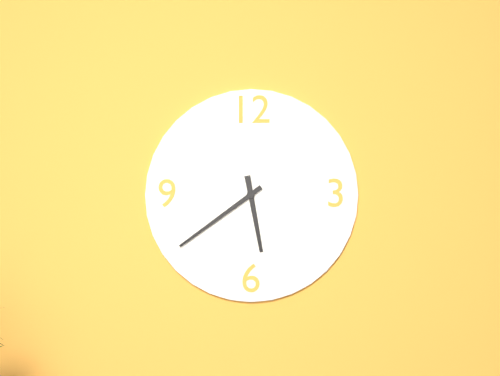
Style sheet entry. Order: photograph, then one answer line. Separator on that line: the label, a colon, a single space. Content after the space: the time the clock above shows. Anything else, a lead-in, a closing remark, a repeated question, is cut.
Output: 5:39
